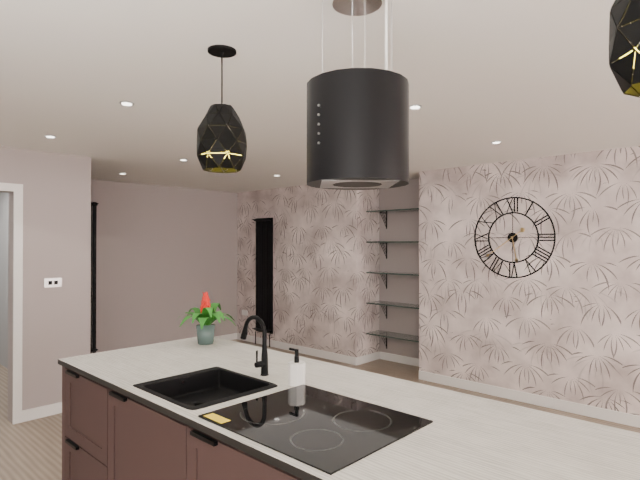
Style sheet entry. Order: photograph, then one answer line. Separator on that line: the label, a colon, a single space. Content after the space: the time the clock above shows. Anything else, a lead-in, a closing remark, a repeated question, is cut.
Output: 5:39
